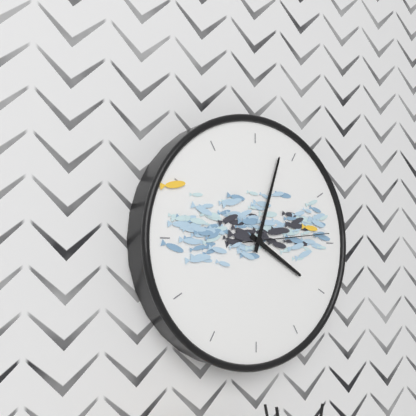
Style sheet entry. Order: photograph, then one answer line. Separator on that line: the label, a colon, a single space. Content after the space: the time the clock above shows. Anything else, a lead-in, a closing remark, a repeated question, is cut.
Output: 4:03:14
